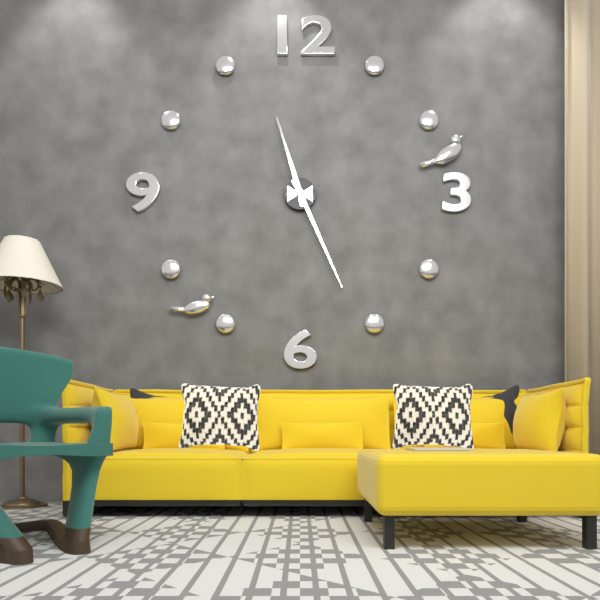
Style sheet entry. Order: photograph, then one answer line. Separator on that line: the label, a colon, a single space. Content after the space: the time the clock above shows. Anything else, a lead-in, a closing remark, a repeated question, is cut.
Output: 11:26
